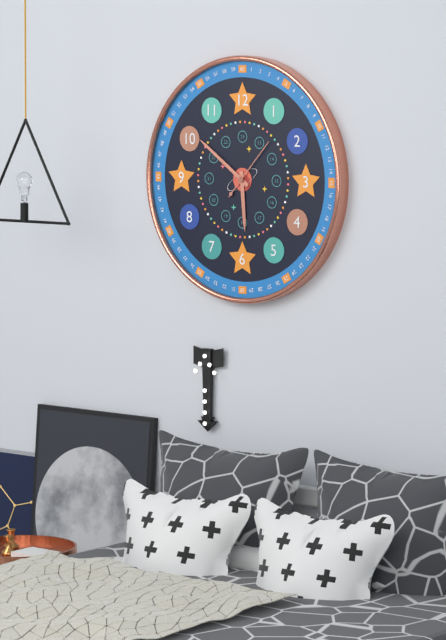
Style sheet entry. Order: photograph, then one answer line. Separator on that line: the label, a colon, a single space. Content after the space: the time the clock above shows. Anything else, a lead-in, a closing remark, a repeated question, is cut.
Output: 5:51:07
